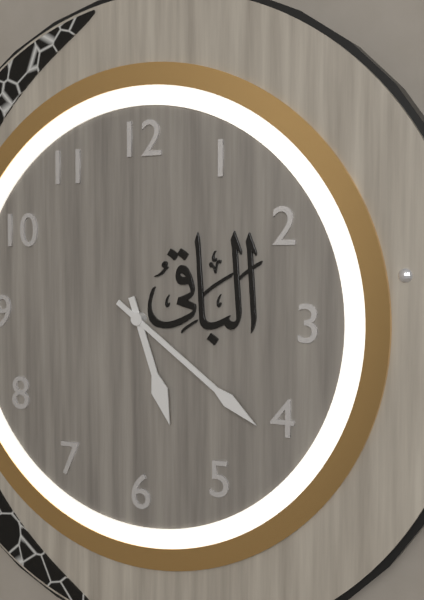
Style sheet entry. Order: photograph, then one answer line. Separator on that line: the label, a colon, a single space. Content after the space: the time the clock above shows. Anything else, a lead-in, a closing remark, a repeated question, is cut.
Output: 5:21
